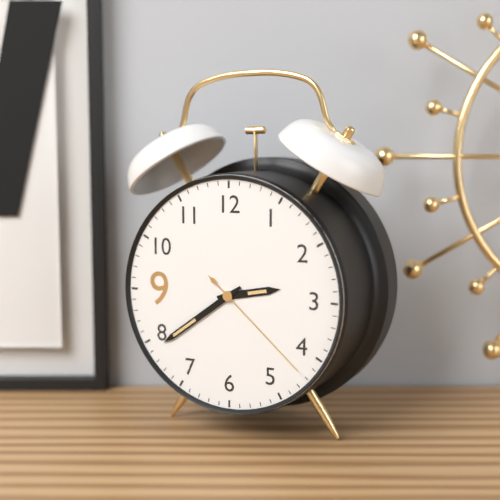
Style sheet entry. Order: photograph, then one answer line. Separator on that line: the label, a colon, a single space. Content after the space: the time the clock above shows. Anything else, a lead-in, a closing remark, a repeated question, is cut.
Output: 2:39:22
